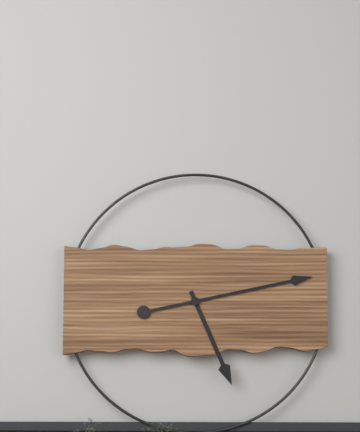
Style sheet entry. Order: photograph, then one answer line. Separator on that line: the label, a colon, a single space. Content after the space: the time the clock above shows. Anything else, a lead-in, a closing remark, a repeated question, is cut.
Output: 5:13
